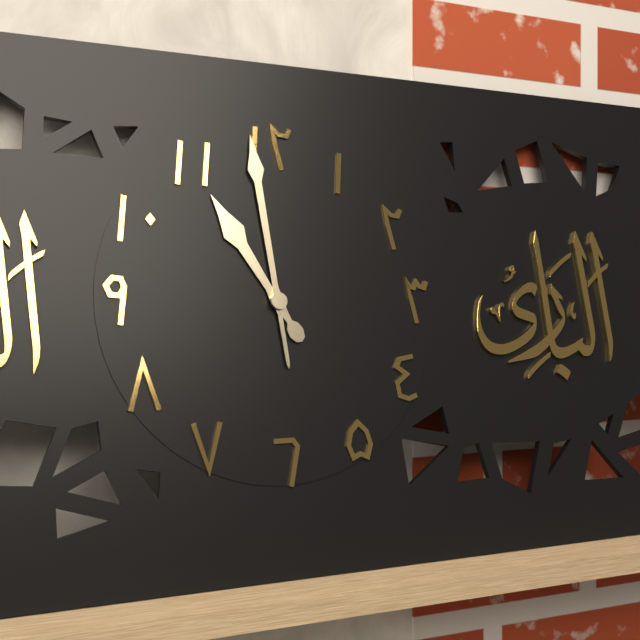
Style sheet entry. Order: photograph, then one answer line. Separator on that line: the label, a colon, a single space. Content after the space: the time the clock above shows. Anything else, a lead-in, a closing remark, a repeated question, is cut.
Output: 10:59
